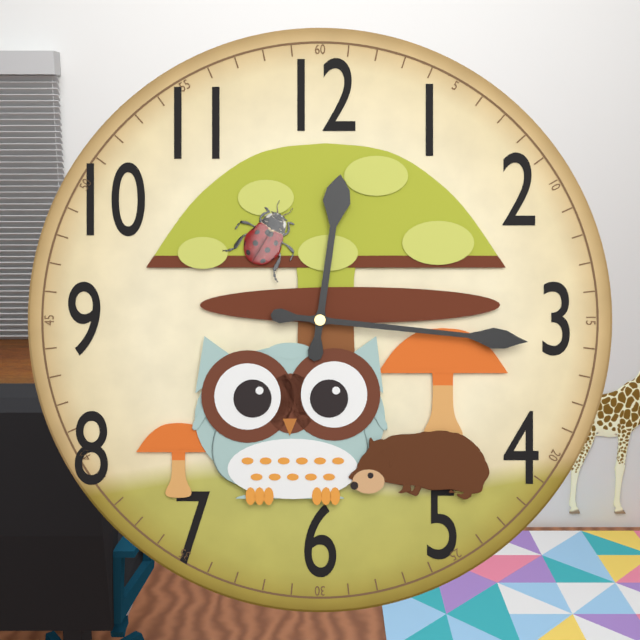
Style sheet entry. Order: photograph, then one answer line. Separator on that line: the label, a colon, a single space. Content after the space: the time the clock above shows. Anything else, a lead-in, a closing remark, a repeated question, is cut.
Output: 12:16
